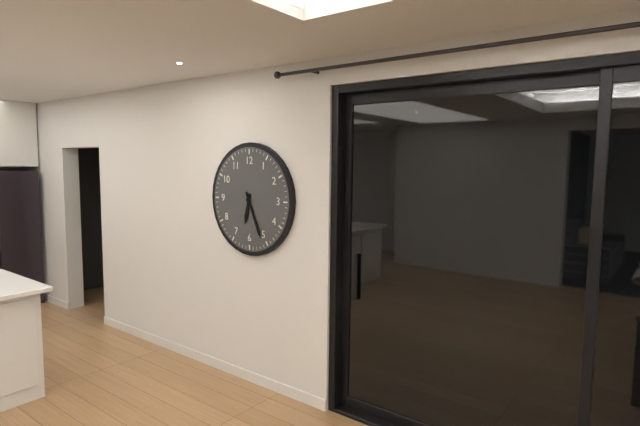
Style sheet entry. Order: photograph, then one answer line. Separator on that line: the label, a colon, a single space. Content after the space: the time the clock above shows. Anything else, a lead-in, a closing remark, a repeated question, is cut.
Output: 6:26
